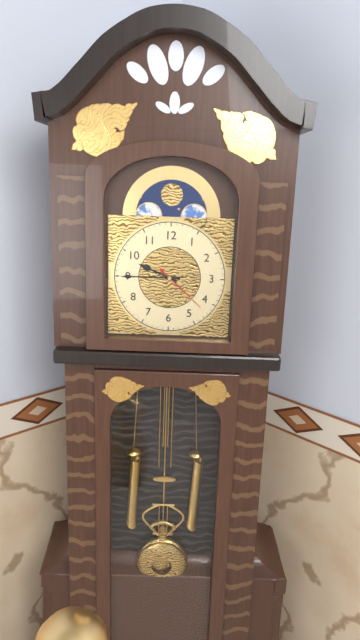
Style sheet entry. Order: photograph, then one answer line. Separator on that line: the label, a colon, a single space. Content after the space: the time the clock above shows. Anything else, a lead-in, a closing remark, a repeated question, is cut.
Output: 9:45:22
